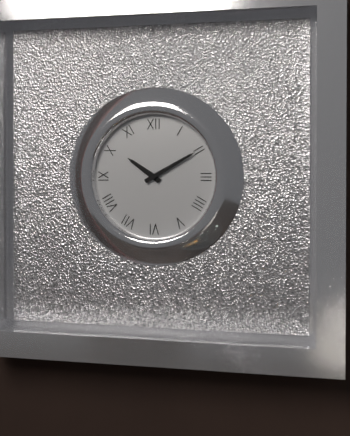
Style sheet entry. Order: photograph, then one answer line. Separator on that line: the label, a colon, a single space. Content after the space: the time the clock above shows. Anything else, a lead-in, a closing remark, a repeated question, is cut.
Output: 10:10
